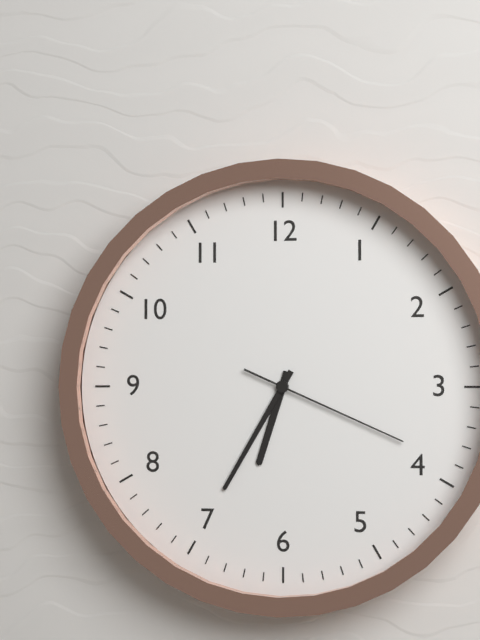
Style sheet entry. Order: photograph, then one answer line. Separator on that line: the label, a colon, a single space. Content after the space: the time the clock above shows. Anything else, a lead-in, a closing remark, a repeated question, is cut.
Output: 6:35:19
